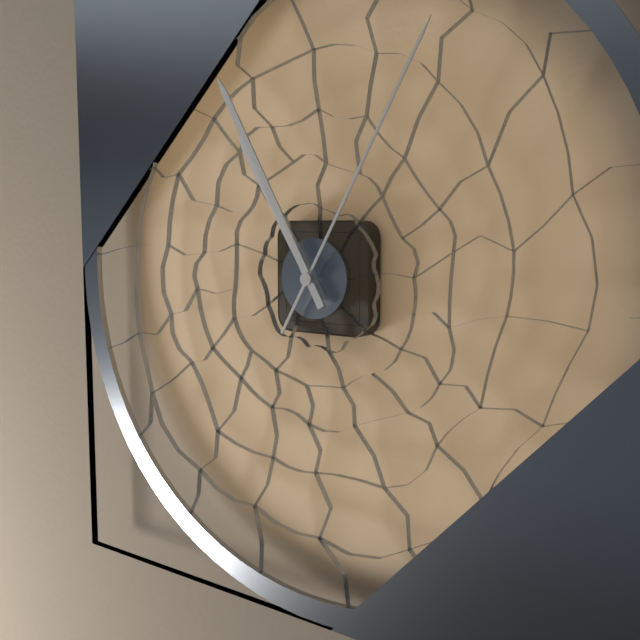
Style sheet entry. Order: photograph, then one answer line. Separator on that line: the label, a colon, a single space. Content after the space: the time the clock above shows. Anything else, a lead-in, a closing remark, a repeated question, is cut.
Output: 10:55:05
